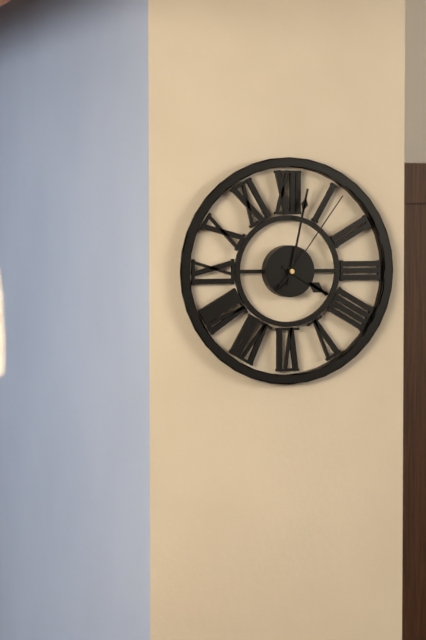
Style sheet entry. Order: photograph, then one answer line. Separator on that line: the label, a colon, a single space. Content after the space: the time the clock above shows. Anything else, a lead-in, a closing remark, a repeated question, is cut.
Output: 4:02:06
